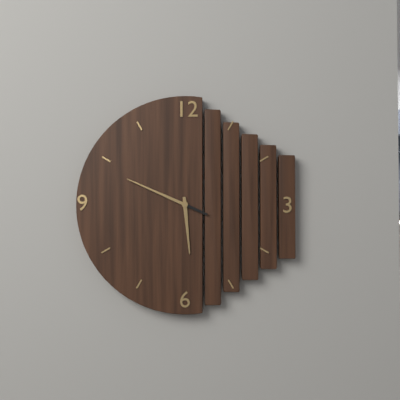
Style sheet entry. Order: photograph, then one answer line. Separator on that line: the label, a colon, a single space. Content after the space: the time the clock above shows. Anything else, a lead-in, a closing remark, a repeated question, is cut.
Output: 5:49
